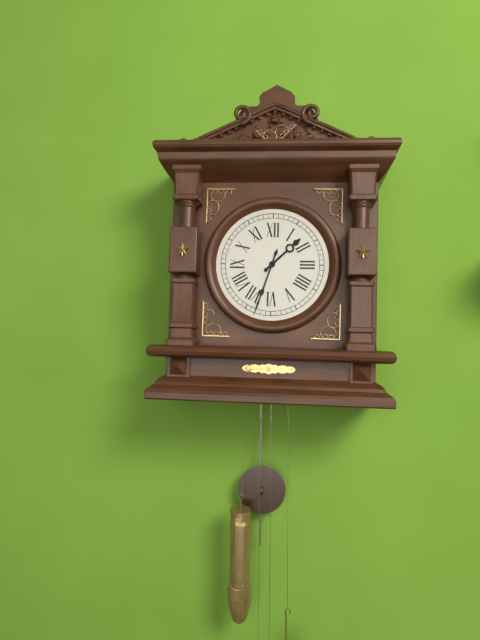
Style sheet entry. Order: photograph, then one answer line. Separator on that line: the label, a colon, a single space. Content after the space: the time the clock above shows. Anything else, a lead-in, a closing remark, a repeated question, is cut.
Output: 1:33
